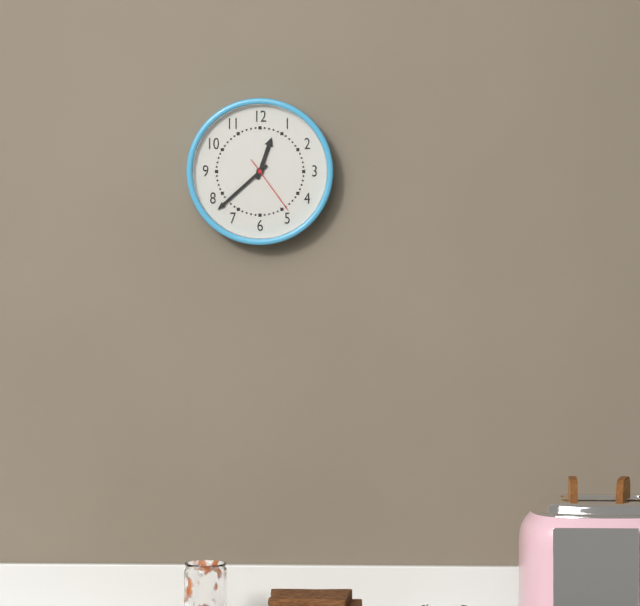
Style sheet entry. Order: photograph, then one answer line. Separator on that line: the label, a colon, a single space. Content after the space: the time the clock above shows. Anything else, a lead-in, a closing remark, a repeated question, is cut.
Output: 12:38:24
